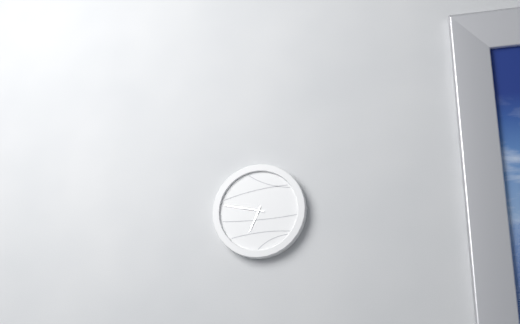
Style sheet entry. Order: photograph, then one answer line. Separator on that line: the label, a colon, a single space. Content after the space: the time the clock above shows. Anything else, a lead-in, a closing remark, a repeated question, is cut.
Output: 6:47
